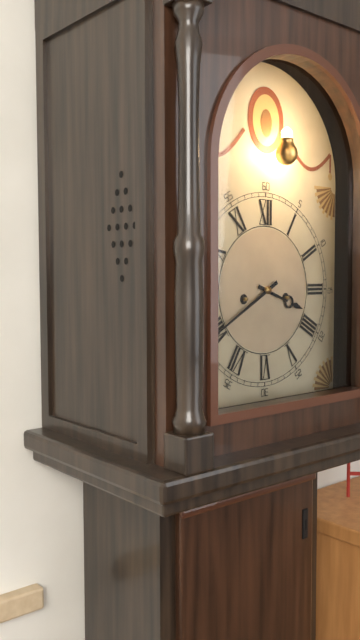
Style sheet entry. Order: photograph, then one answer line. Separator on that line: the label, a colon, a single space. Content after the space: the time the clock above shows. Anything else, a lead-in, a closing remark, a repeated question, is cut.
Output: 3:40
